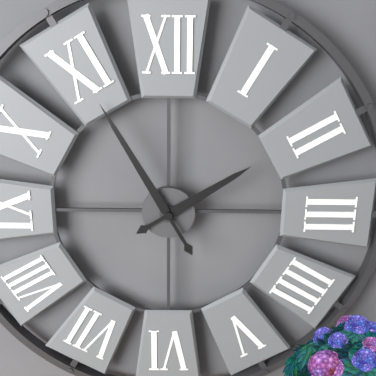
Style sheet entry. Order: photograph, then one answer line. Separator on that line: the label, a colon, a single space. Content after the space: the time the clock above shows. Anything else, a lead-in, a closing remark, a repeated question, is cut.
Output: 1:55
